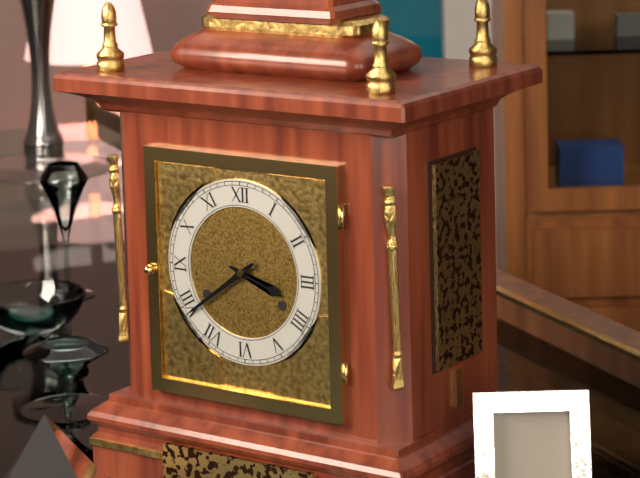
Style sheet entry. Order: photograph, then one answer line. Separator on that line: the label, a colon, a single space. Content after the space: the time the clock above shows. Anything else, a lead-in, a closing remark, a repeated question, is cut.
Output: 3:39
